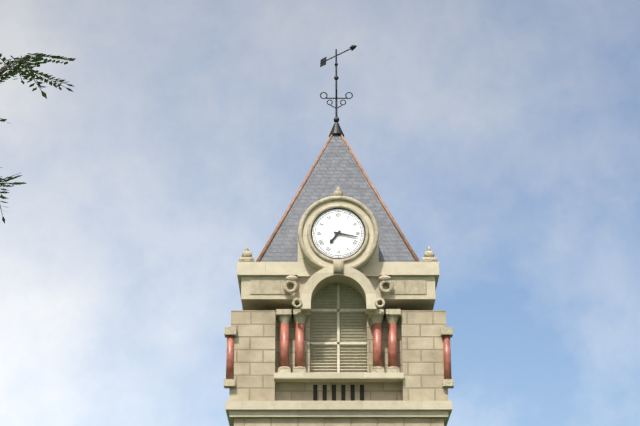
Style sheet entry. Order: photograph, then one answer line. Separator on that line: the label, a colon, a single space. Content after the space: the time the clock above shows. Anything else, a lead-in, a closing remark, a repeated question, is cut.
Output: 7:17
